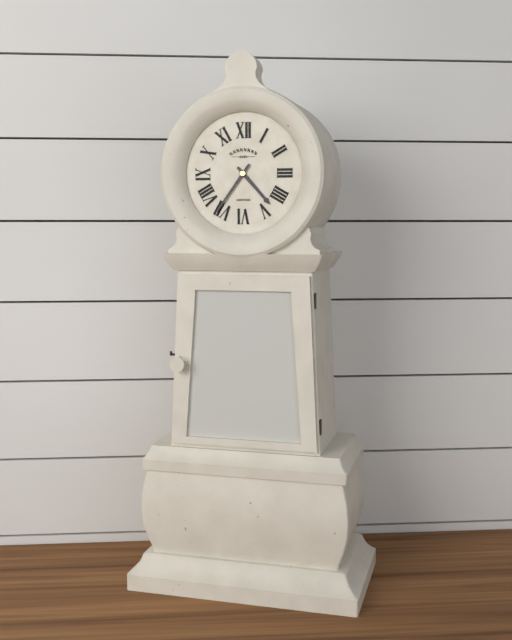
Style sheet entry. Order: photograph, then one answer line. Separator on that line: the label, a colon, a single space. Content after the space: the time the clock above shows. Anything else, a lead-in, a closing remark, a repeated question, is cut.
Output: 4:36
